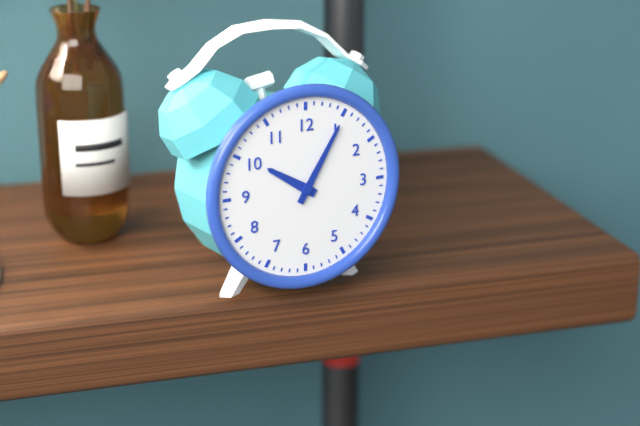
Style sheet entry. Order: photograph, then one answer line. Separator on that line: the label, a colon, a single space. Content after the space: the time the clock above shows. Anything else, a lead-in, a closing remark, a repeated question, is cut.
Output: 10:05
